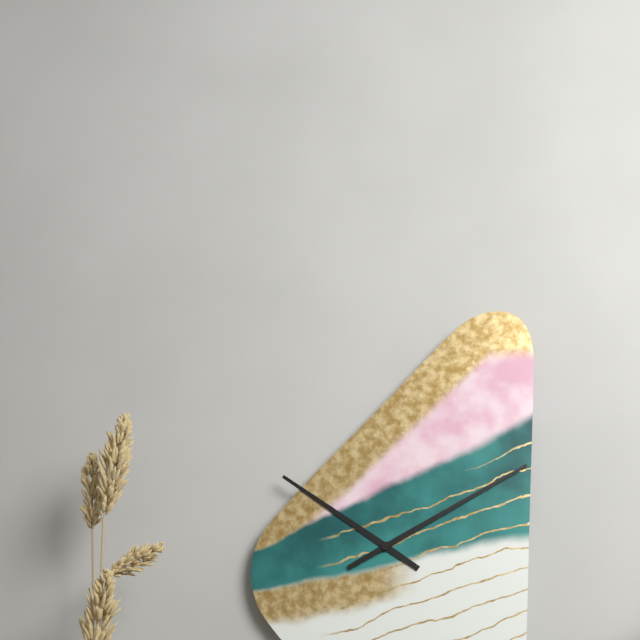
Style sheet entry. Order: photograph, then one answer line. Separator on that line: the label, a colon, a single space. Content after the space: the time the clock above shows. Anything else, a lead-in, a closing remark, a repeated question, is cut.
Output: 10:10
